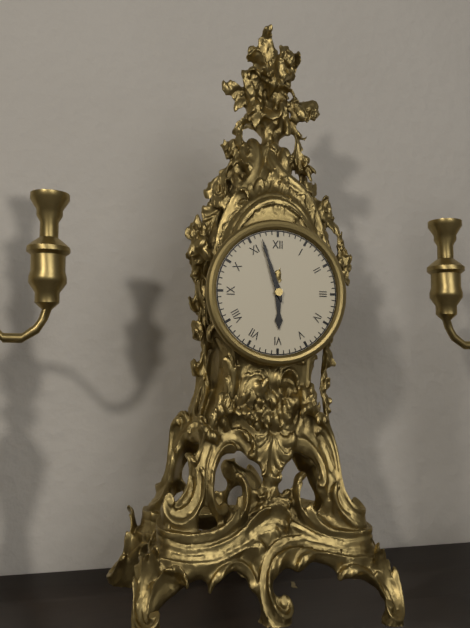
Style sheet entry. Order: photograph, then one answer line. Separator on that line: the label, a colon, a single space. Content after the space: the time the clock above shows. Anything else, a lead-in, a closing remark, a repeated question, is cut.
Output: 5:57
